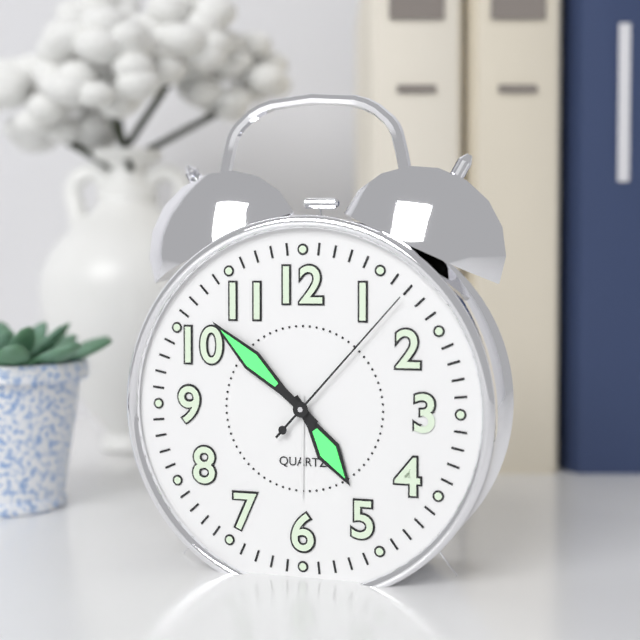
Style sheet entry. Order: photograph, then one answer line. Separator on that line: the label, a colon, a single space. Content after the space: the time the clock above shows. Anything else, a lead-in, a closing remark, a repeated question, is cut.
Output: 4:52:07
